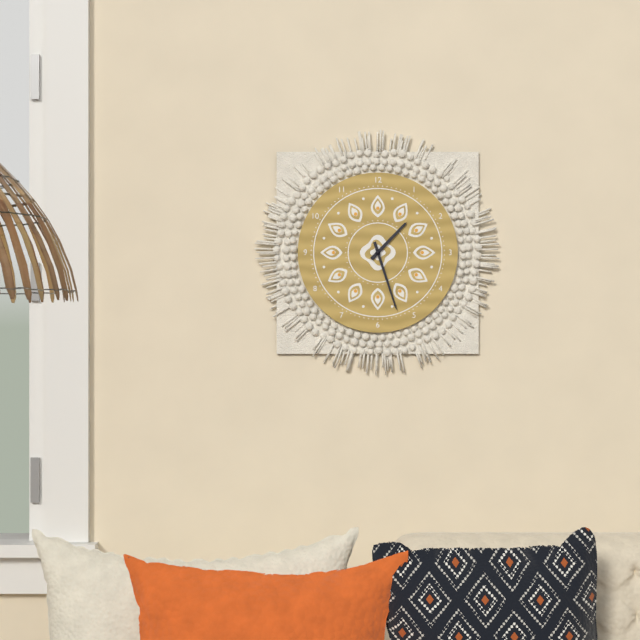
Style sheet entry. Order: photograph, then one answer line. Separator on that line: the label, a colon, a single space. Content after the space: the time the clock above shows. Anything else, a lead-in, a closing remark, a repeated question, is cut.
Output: 1:27
